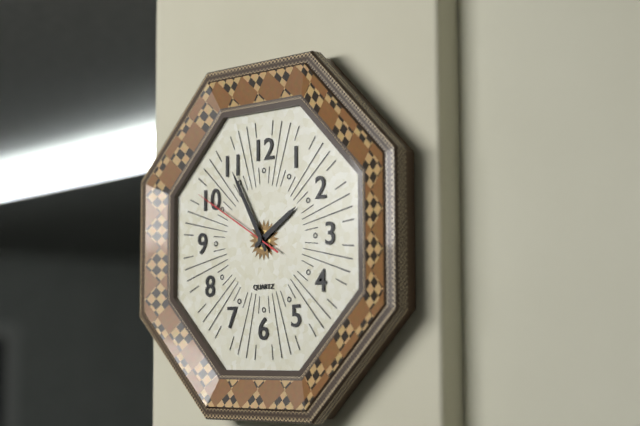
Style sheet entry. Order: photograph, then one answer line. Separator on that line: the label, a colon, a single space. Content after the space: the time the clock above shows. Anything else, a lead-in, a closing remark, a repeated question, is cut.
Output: 1:55:50
